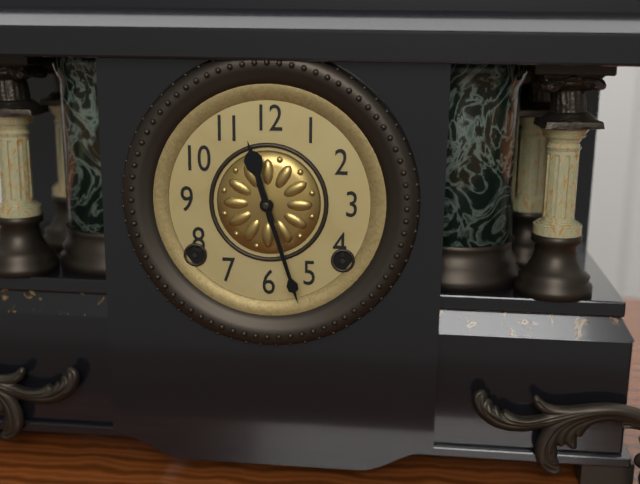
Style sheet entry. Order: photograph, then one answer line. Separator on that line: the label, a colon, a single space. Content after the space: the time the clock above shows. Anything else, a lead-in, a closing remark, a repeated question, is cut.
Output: 11:27
